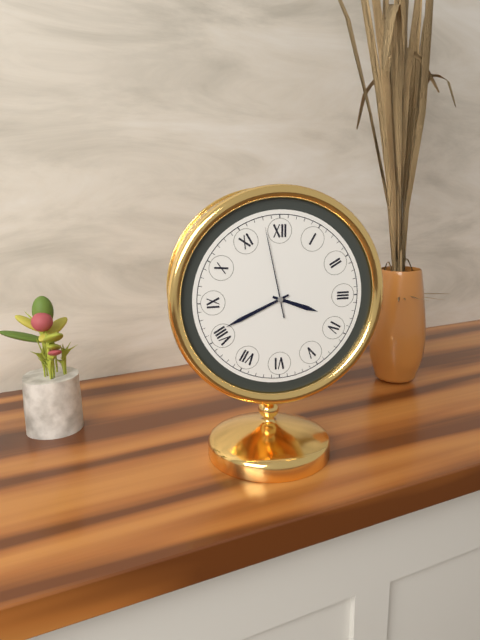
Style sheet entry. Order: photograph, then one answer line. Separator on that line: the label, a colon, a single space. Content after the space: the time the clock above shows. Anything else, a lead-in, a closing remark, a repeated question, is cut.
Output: 3:41:58
